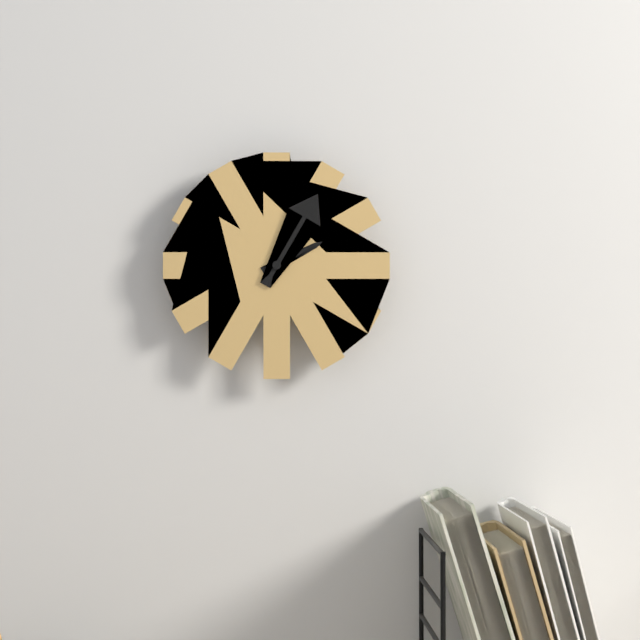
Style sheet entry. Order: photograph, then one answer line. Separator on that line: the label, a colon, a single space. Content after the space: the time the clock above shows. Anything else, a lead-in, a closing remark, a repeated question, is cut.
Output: 2:05
